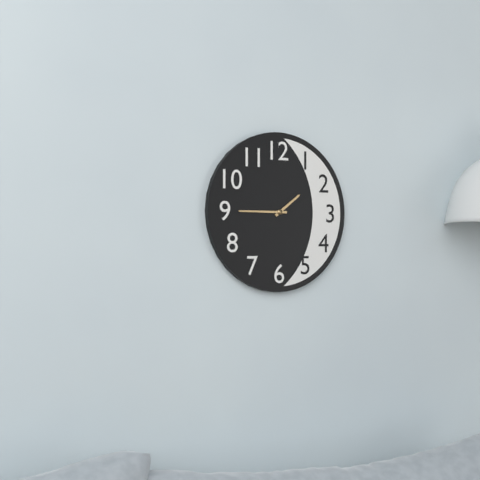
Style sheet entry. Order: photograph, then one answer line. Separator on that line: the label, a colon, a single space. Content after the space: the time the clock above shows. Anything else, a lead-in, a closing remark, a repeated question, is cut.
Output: 1:45
